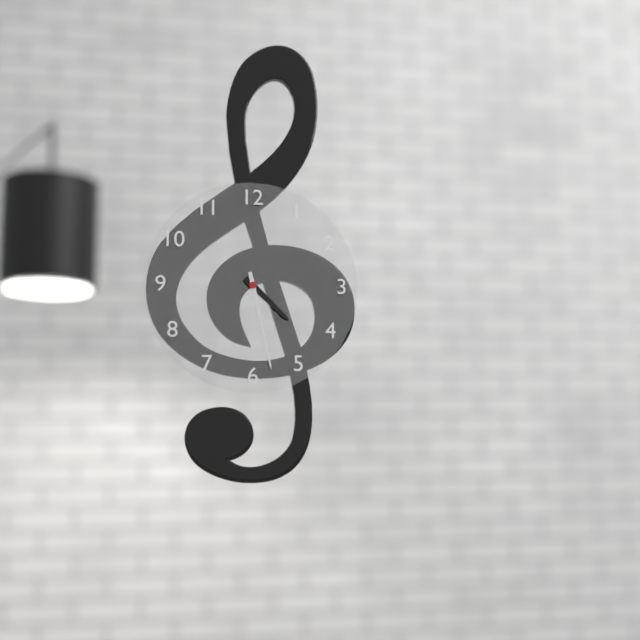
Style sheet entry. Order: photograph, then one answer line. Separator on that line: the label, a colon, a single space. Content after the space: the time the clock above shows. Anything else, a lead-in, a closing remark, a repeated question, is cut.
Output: 4:28
